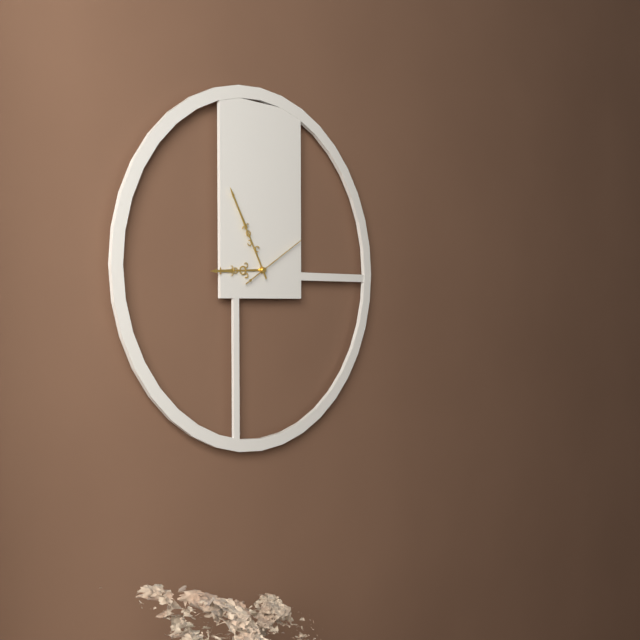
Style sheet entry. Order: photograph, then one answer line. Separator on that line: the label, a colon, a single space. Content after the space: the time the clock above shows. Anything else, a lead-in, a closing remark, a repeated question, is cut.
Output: 8:55:10
